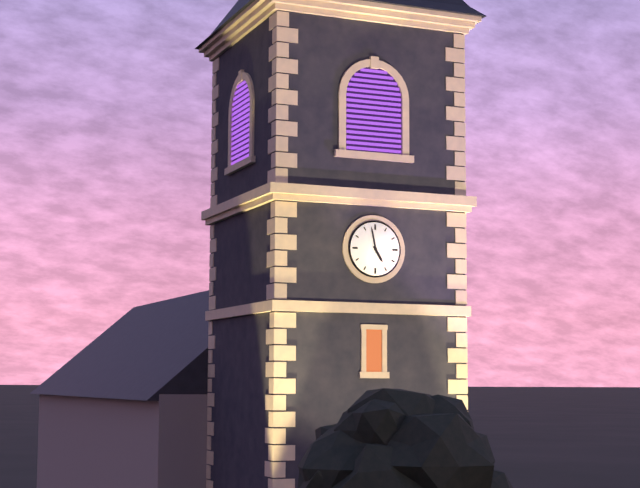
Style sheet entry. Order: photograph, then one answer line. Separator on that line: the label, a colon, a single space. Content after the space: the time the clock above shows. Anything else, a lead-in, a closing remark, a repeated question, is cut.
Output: 4:58
